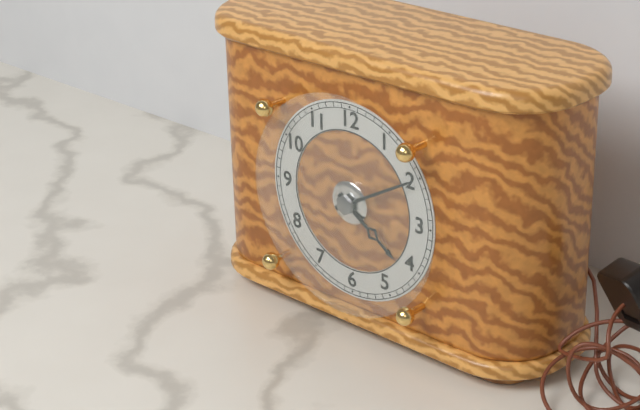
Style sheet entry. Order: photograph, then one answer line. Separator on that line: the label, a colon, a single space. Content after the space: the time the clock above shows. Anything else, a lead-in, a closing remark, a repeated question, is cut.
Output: 4:10
